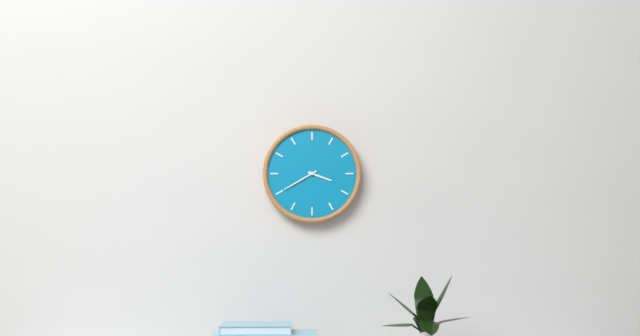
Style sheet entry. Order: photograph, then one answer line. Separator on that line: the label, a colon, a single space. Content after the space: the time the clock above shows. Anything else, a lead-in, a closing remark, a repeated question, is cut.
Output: 3:40
